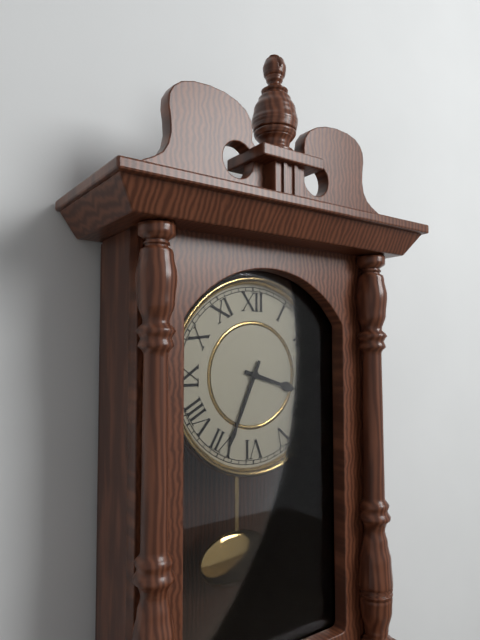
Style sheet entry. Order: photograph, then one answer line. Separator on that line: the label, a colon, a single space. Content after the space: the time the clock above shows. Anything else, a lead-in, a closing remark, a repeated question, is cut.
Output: 3:34
